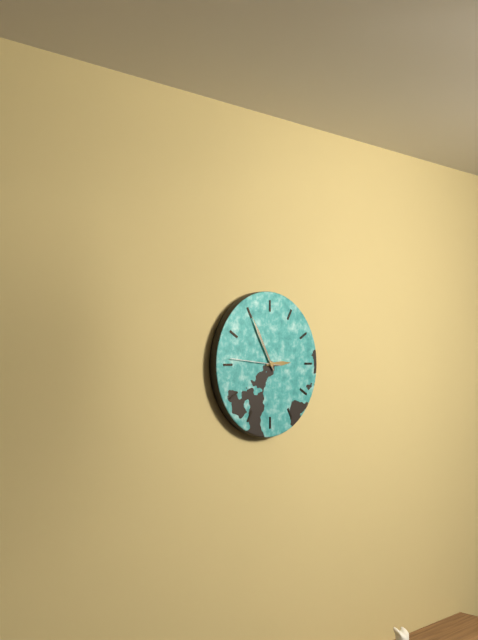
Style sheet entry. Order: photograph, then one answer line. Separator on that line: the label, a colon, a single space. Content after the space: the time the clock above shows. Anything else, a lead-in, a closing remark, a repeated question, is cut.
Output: 2:55
